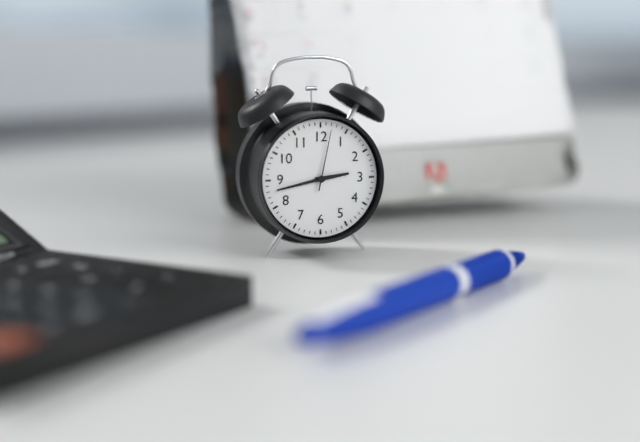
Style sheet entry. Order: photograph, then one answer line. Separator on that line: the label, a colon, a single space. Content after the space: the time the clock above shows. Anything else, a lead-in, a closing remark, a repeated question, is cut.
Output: 2:43:02
